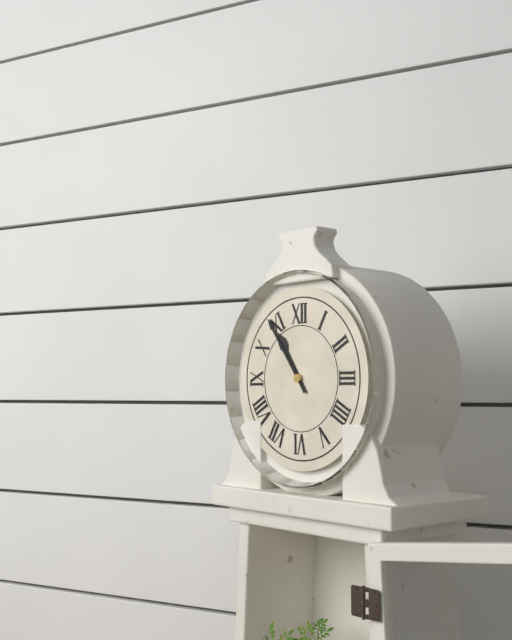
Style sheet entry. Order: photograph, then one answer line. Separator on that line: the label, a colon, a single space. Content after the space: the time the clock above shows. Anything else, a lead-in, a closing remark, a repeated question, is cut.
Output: 10:54
